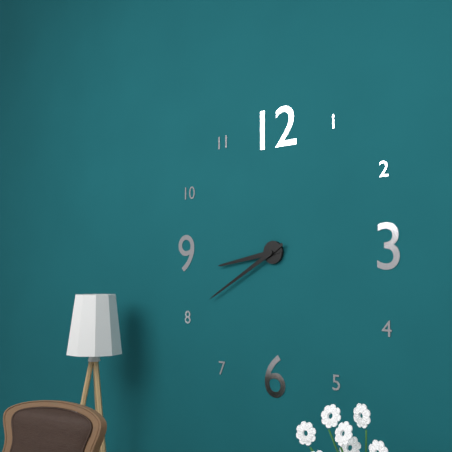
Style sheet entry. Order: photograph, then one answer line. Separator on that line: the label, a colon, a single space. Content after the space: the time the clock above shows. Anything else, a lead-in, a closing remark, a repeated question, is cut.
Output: 8:40
